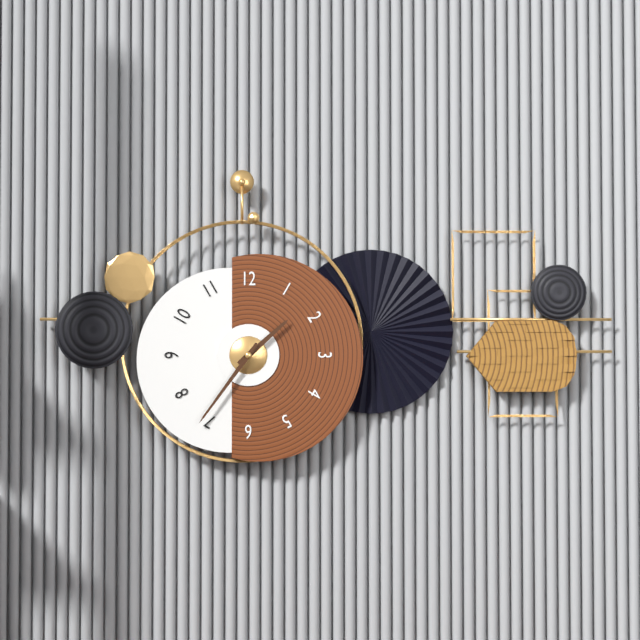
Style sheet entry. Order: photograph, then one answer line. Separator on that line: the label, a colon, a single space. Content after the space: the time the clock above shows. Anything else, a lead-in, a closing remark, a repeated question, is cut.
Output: 1:36
